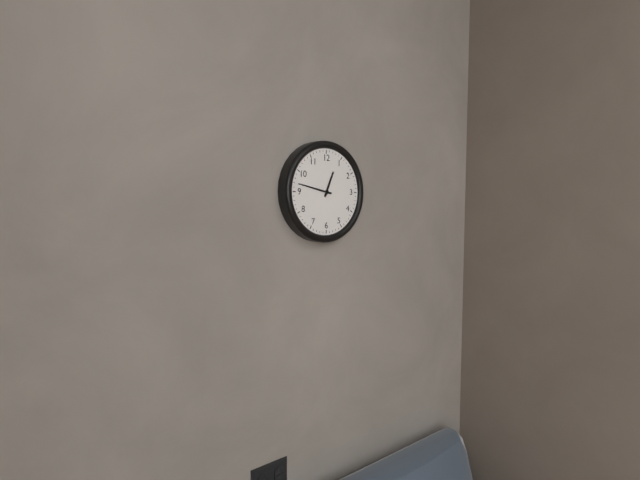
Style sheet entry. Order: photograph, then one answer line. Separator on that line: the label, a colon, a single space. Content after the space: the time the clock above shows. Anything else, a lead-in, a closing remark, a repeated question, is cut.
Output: 12:47
